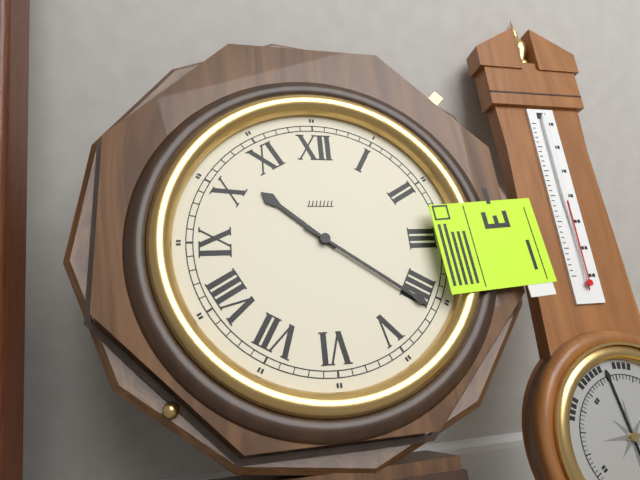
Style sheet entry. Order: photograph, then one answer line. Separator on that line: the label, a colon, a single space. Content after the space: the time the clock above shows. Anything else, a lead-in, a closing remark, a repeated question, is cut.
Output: 10:21
